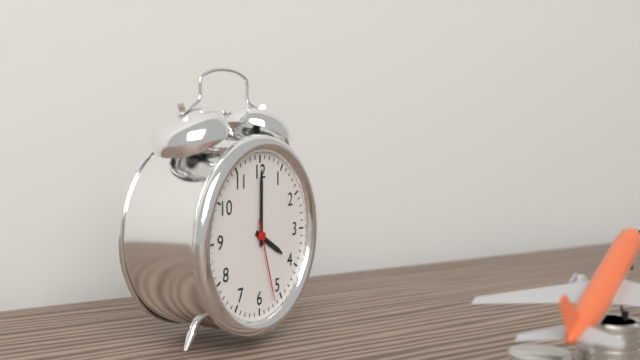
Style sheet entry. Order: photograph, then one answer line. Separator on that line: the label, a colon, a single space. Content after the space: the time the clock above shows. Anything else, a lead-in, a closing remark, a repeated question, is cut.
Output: 4:00:27
